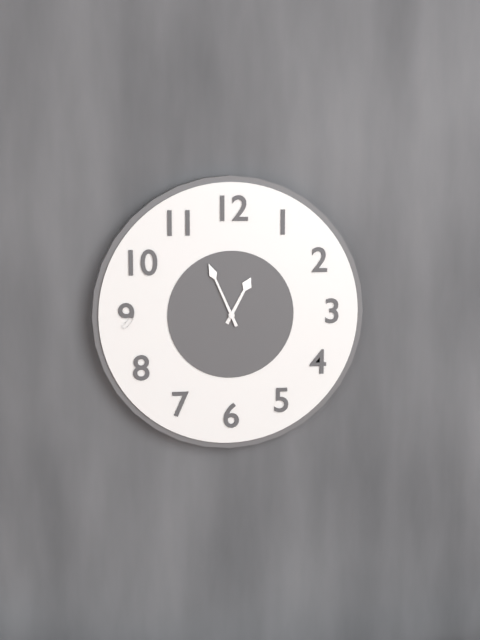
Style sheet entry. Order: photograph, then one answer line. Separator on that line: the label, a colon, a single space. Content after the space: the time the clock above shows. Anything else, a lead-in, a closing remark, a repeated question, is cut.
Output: 12:56
